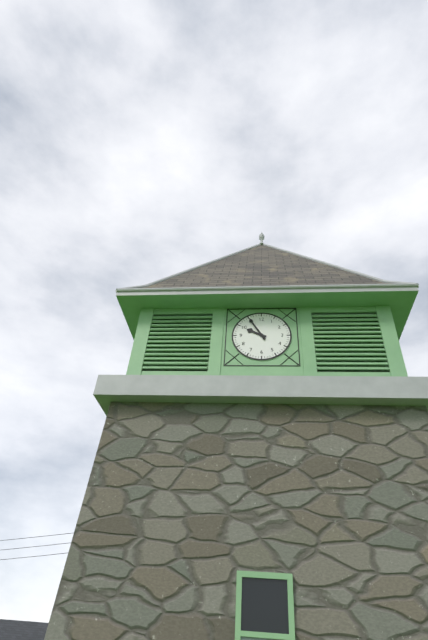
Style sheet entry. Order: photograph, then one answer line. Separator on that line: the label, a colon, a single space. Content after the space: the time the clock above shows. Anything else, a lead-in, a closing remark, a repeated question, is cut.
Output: 9:55
